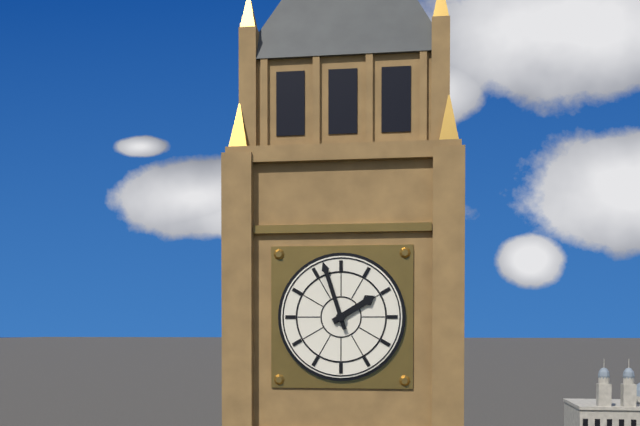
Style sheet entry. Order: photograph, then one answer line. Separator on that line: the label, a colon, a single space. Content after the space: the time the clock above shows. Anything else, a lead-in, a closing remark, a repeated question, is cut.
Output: 1:57
